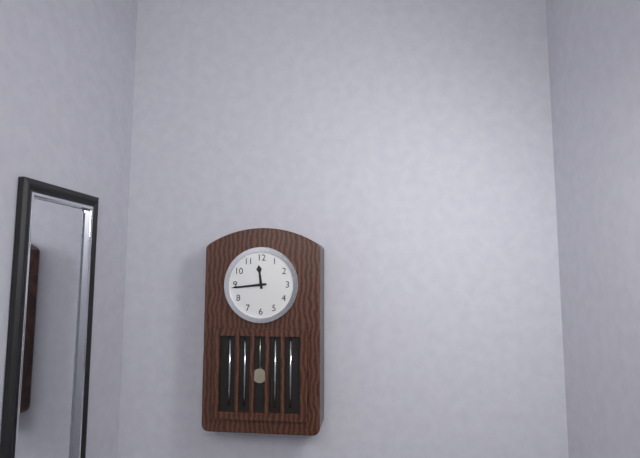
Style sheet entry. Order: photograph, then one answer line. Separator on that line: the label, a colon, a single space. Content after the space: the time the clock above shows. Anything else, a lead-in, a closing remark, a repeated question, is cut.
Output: 11:44
